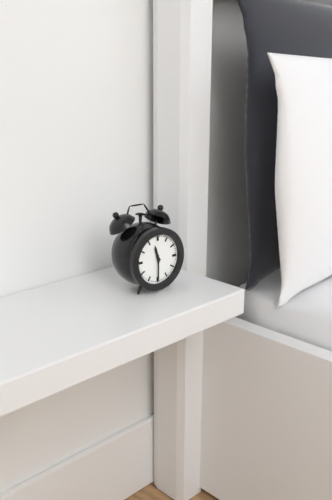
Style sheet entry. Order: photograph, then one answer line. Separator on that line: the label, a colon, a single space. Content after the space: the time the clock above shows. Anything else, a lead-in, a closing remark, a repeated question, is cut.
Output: 11:30
